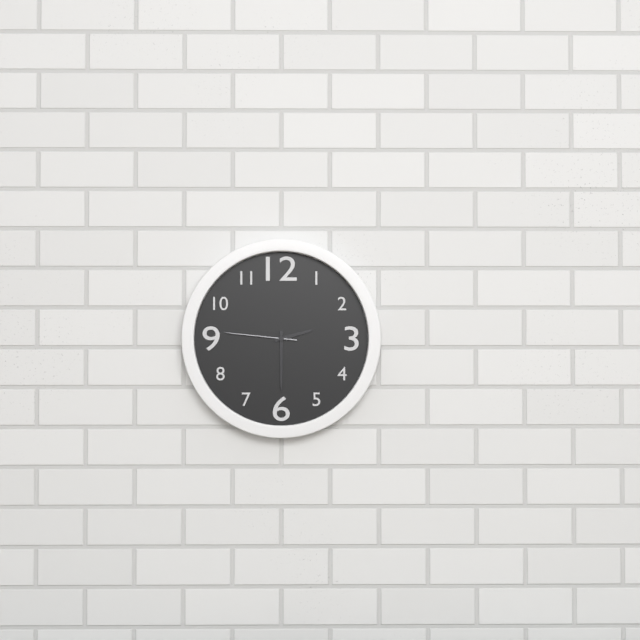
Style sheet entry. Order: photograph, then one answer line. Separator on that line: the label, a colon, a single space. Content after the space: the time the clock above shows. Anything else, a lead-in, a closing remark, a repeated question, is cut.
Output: 2:30:46
